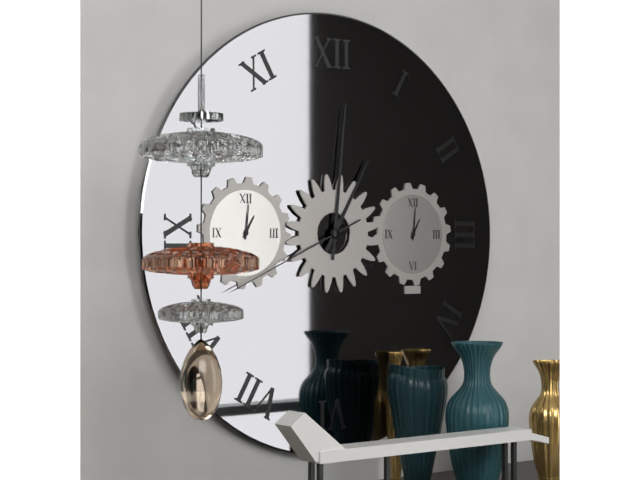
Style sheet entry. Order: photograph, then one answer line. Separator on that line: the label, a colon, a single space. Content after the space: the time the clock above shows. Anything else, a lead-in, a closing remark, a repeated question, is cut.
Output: 1:01:41
